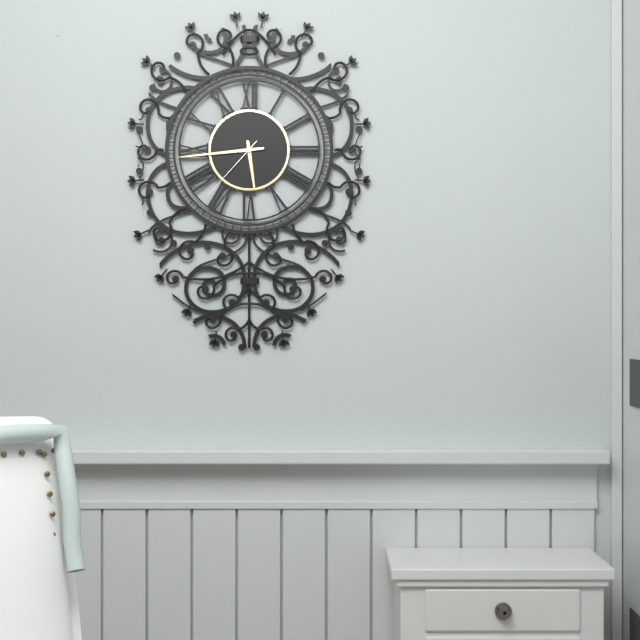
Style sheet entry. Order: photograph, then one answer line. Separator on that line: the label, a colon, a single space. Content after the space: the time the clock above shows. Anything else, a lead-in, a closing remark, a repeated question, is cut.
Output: 5:44:37
